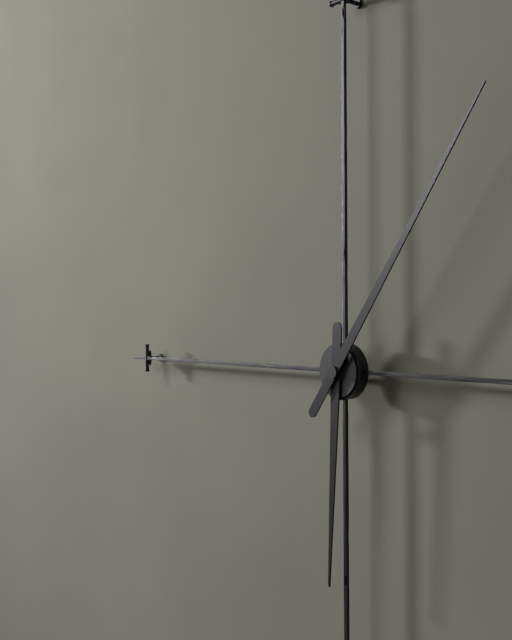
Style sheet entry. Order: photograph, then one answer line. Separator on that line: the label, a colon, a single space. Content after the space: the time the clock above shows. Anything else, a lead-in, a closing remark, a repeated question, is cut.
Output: 6:06
